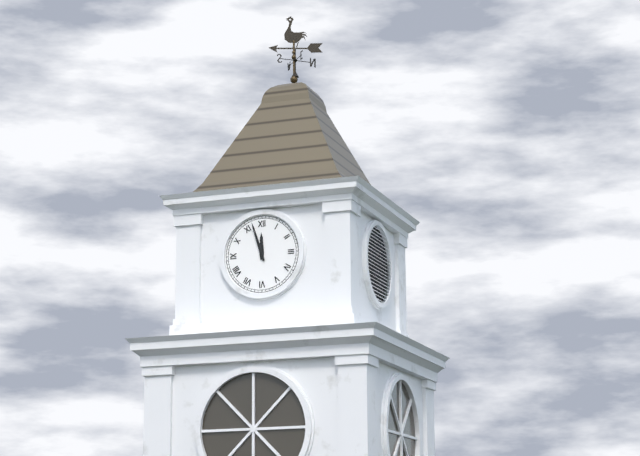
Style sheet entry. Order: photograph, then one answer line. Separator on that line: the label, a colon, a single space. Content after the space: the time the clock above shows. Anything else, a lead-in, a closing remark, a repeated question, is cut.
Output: 11:57
